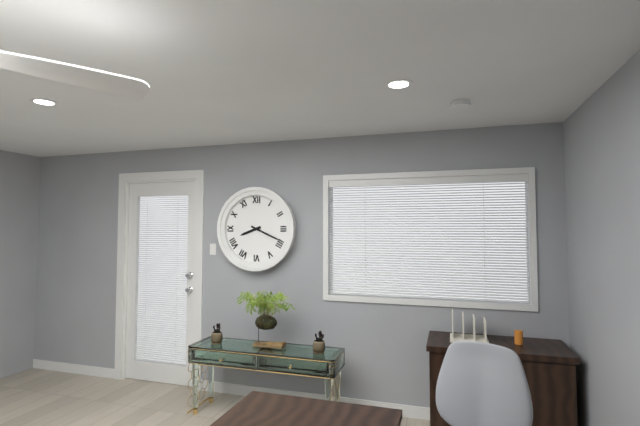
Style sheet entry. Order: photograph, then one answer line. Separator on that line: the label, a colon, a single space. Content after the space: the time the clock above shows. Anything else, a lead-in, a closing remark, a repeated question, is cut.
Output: 8:19
